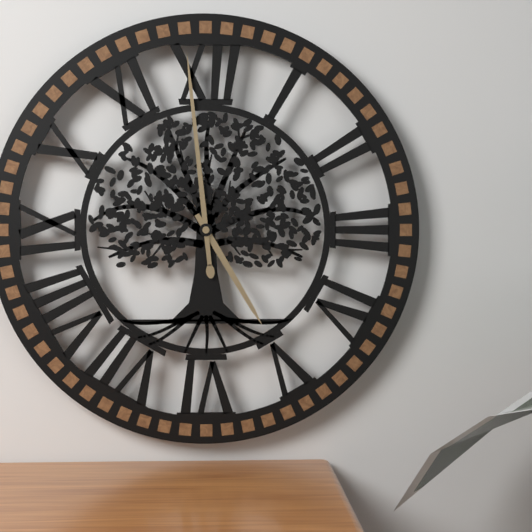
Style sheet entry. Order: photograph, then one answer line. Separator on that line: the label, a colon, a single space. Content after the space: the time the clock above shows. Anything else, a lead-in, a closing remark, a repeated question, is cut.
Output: 4:59
